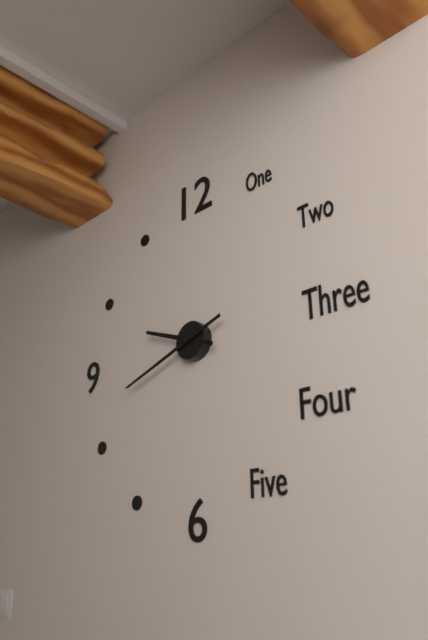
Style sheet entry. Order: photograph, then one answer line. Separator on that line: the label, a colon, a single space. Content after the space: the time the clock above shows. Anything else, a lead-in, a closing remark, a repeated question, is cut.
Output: 9:42
